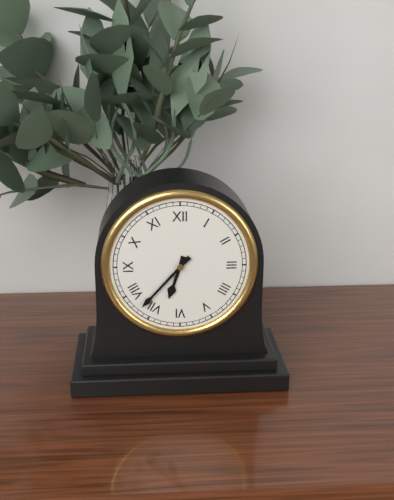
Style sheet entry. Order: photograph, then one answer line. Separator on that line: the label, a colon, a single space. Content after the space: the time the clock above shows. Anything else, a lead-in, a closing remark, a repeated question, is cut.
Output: 6:37
